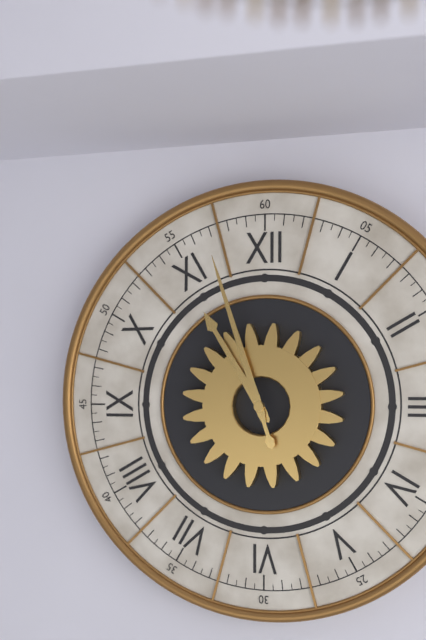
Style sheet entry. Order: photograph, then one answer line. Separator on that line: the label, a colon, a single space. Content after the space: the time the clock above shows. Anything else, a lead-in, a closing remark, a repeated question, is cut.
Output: 10:57
